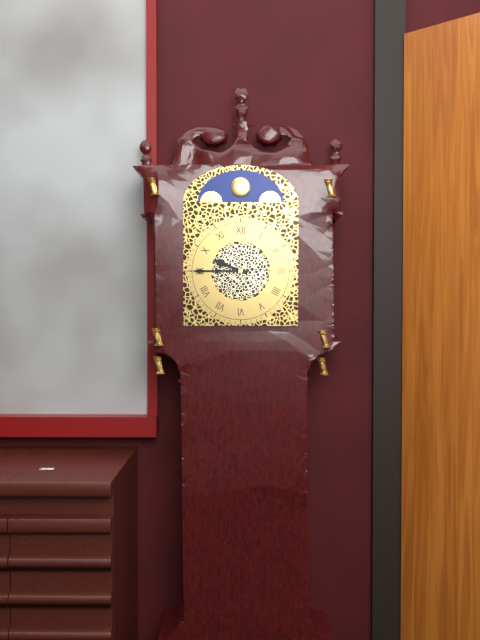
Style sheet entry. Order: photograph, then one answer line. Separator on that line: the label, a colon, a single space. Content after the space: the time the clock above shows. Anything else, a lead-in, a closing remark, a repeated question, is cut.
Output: 9:45
